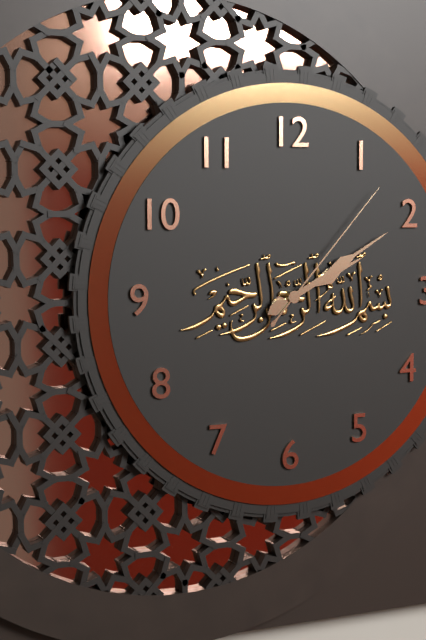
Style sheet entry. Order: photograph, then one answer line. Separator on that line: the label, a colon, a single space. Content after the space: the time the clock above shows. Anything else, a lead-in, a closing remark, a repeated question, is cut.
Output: 2:10:07
